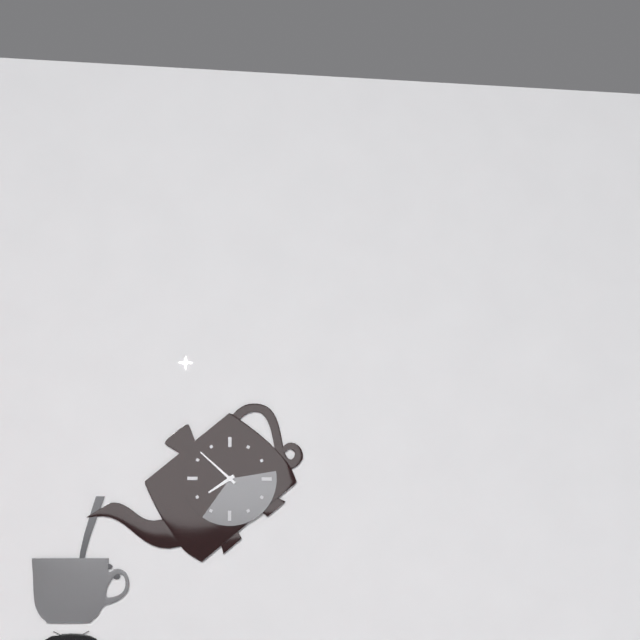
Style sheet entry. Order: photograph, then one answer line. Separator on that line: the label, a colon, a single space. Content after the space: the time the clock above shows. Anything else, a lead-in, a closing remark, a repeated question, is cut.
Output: 7:52
